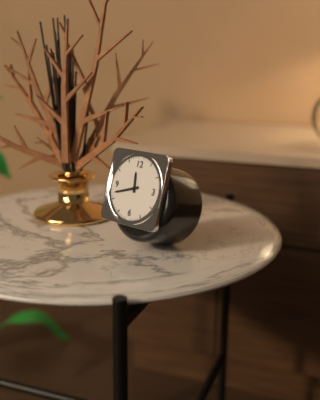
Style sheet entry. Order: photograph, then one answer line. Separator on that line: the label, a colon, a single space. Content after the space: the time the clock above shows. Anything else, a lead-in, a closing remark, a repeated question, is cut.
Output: 11:42
